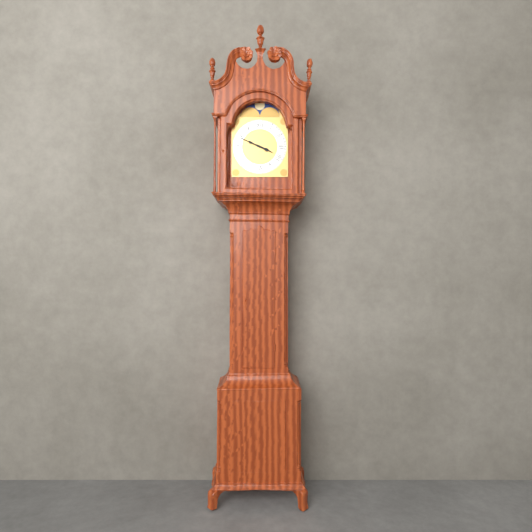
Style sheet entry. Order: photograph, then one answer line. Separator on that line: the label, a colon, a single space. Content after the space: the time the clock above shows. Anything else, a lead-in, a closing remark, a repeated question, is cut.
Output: 3:49
